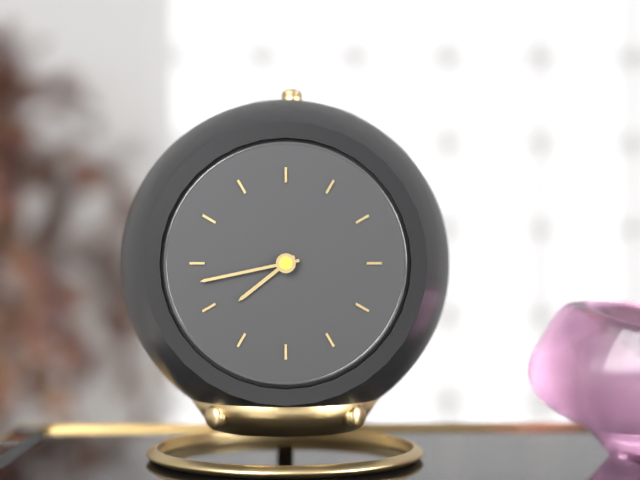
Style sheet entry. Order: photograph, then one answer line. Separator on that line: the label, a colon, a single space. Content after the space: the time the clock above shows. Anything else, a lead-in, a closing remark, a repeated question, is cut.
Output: 7:43
